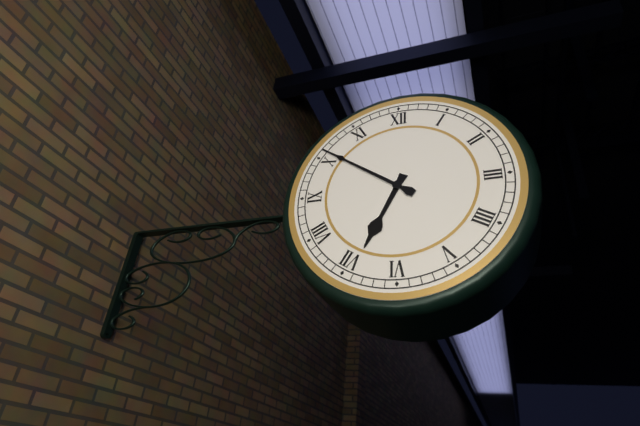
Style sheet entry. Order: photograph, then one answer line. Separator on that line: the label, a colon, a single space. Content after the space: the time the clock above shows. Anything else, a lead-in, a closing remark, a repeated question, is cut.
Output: 6:51
